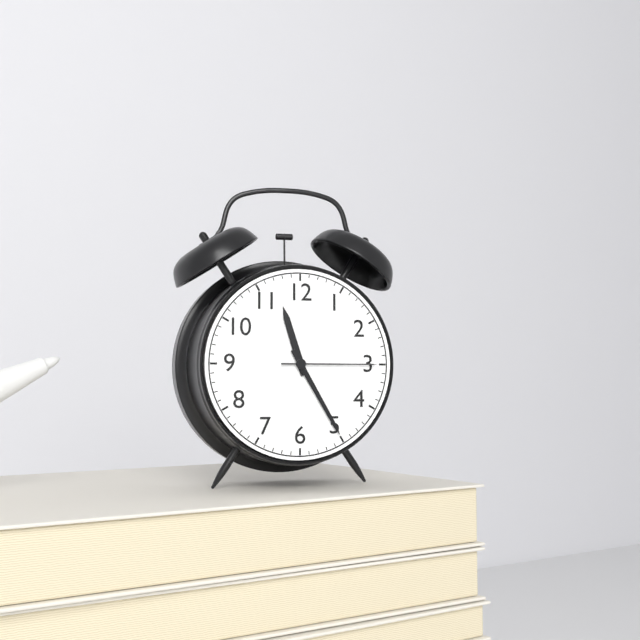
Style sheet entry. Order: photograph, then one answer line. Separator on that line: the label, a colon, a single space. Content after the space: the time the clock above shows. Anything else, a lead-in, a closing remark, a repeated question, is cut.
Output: 11:25:15
